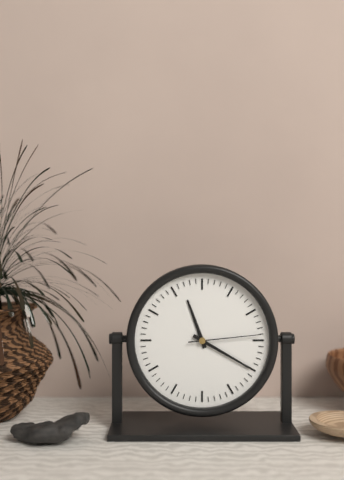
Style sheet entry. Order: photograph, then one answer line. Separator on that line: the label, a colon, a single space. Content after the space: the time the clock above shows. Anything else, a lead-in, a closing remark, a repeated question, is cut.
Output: 11:20:14
